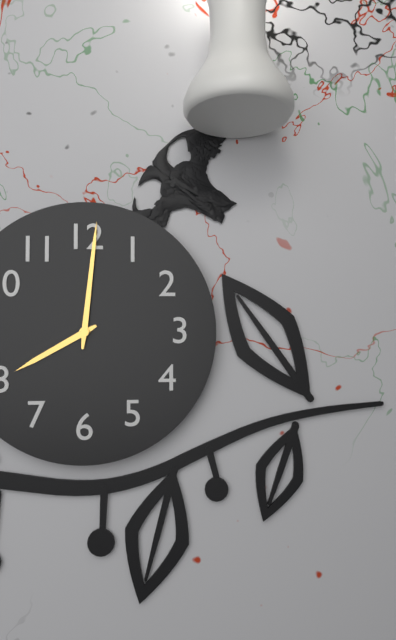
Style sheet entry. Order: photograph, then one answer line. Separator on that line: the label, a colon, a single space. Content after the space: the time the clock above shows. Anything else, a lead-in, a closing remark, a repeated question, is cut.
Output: 8:01
